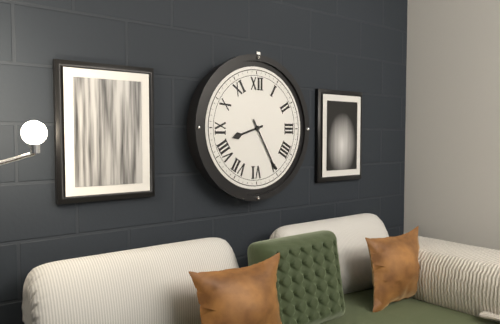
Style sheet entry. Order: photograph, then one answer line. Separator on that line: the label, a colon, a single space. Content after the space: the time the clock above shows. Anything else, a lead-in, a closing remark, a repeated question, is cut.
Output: 8:25
